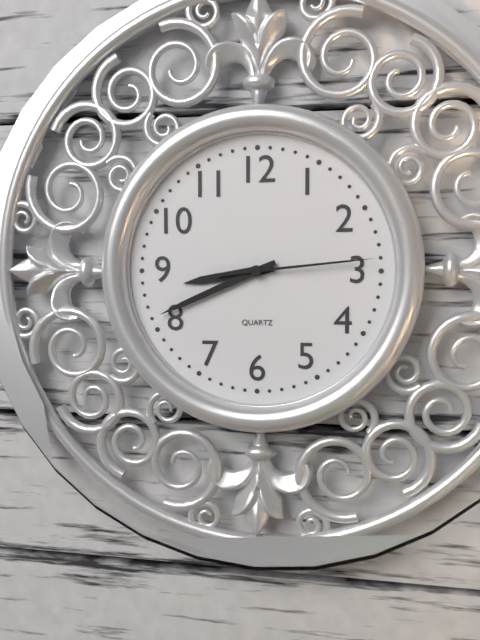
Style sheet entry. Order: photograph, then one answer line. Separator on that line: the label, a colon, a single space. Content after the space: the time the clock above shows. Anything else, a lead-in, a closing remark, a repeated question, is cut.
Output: 8:41:14
